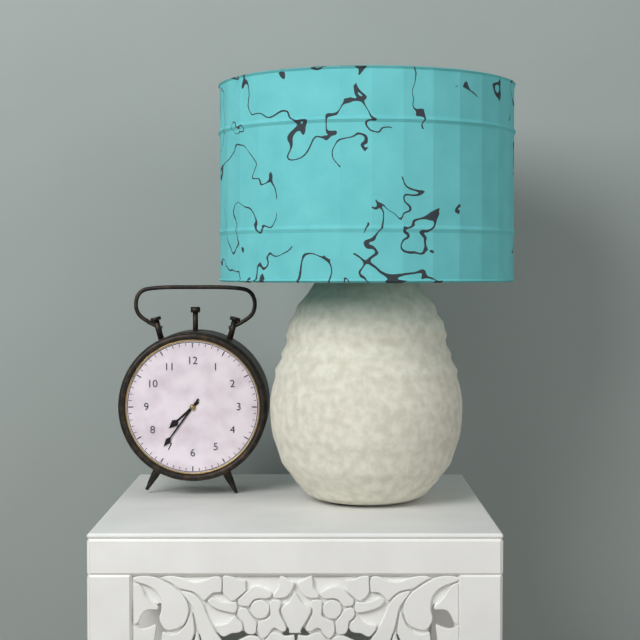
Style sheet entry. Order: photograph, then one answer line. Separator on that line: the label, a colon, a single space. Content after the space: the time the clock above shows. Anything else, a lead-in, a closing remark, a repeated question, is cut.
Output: 7:36
